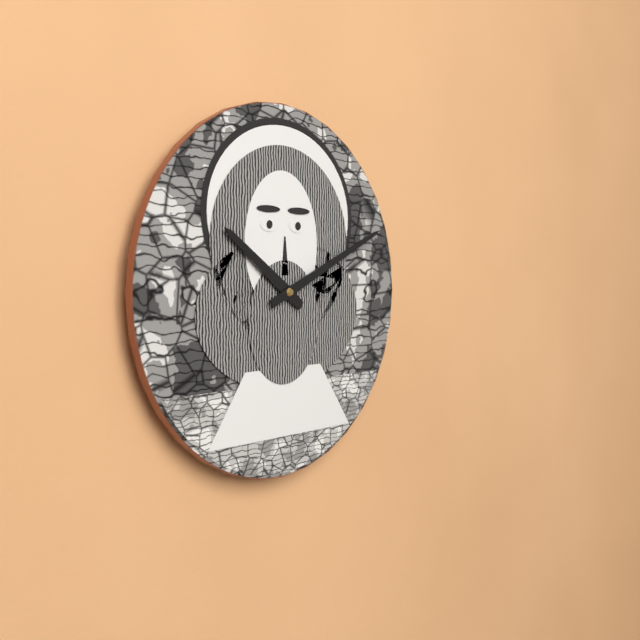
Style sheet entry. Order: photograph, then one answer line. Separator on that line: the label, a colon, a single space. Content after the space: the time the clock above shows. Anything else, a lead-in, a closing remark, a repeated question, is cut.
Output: 10:11
